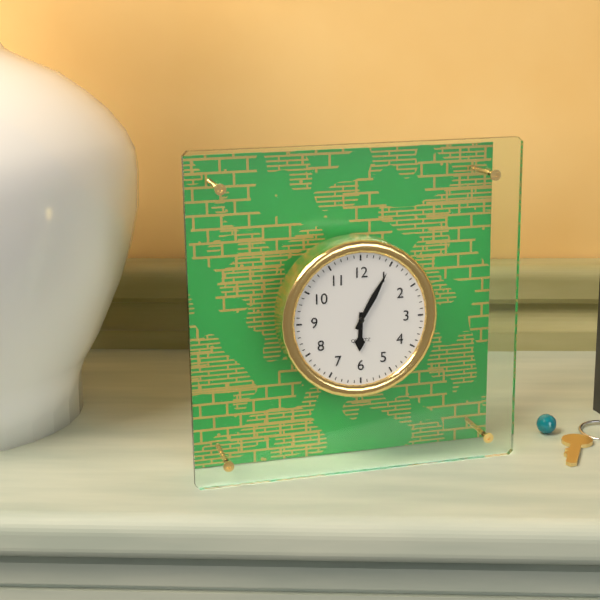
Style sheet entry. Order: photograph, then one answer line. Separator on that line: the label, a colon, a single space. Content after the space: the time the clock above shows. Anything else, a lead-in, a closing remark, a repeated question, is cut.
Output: 6:05
